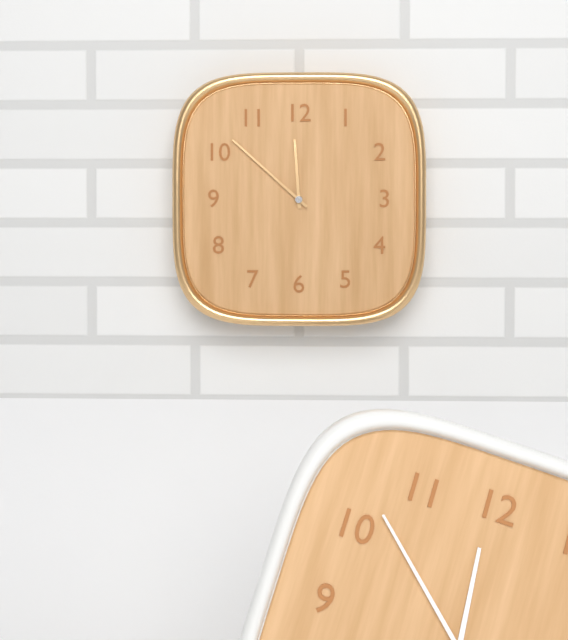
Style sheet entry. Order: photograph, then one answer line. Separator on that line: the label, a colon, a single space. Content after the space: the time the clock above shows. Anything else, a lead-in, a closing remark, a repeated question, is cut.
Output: 11:52
